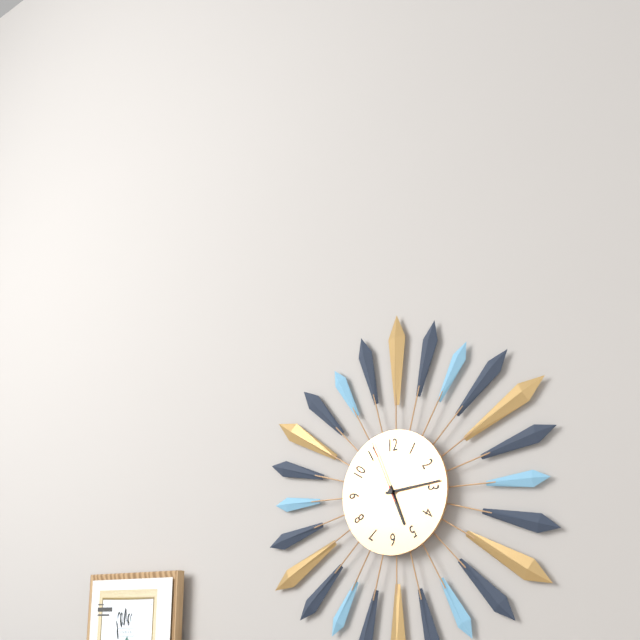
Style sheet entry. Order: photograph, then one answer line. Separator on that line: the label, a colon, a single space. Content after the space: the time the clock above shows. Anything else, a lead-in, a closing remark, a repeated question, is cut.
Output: 5:14:56
